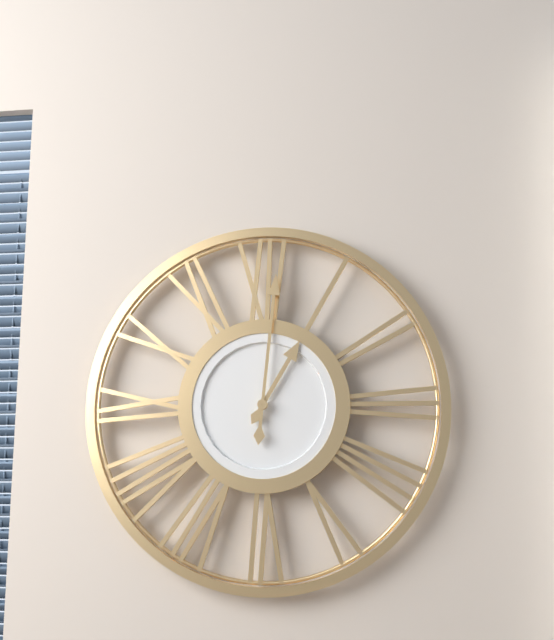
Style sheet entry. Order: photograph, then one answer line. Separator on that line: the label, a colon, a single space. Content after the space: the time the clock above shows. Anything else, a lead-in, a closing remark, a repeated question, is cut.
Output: 1:01
